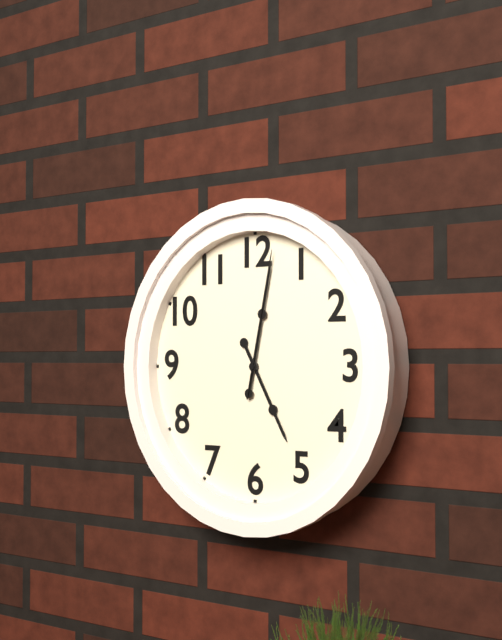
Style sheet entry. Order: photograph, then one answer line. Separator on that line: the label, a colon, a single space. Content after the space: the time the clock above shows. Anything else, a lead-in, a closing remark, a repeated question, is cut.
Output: 5:02:02
